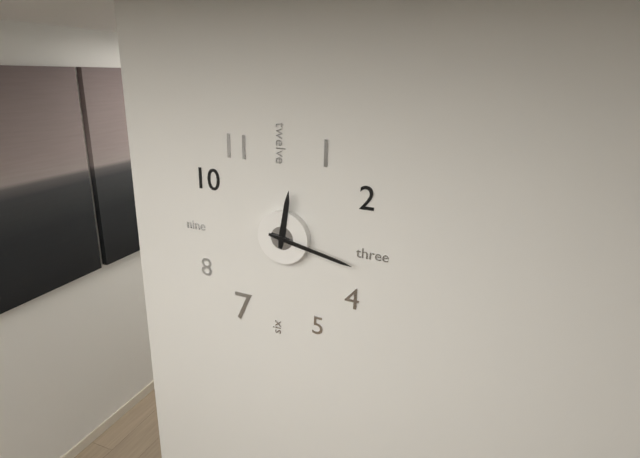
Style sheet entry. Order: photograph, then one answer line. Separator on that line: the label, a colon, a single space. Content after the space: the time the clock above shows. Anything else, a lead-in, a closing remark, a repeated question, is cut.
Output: 12:17
